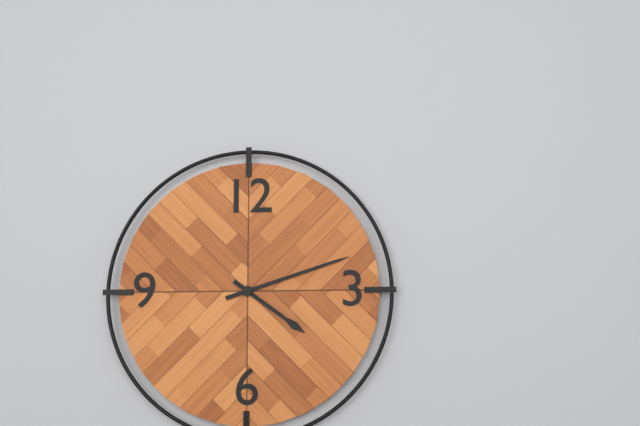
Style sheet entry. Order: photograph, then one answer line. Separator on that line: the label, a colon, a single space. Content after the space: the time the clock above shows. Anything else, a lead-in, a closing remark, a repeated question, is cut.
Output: 4:12
